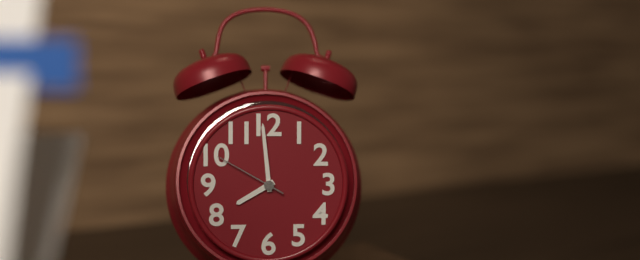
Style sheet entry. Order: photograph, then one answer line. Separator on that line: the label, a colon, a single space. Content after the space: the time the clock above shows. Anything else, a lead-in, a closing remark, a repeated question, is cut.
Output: 7:59:50
